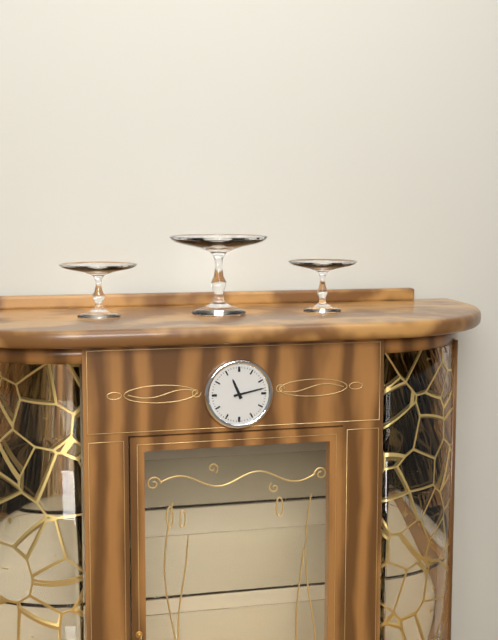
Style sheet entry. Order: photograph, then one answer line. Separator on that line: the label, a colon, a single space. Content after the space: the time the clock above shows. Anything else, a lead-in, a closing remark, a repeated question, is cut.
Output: 11:13
